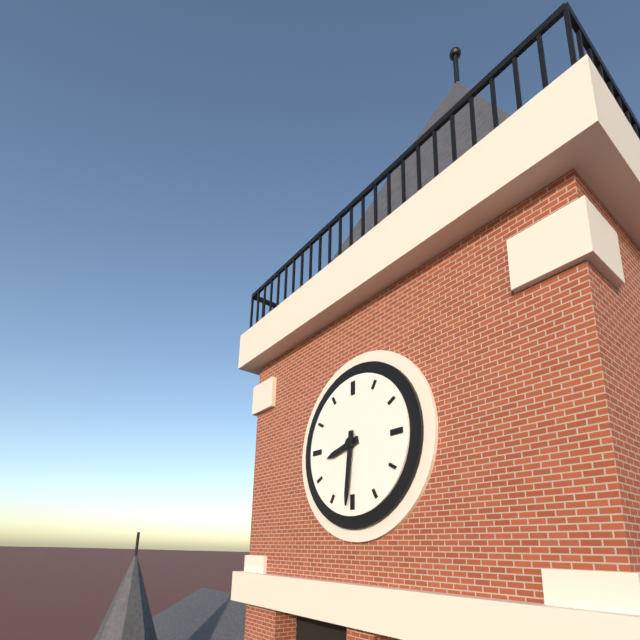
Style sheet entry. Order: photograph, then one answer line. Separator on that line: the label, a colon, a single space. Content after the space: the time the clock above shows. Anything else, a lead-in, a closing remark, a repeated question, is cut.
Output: 8:31
